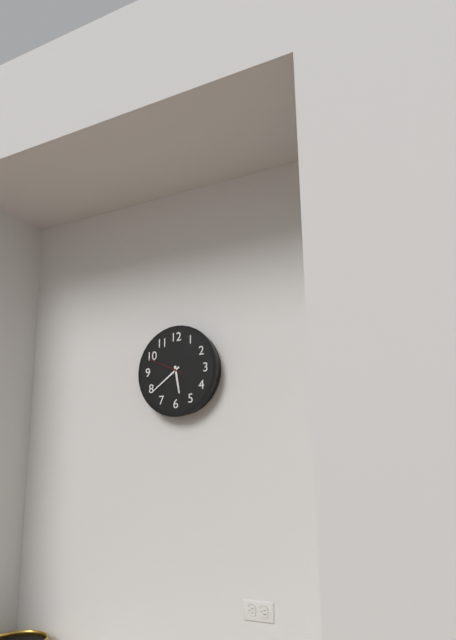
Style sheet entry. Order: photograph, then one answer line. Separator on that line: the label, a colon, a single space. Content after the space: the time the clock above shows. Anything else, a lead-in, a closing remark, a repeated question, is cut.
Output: 5:39
